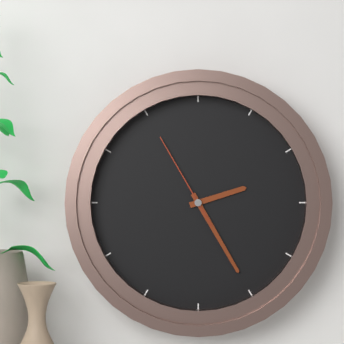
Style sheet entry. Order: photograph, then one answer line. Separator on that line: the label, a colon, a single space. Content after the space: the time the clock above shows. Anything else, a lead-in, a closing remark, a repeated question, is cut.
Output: 2:25:55
